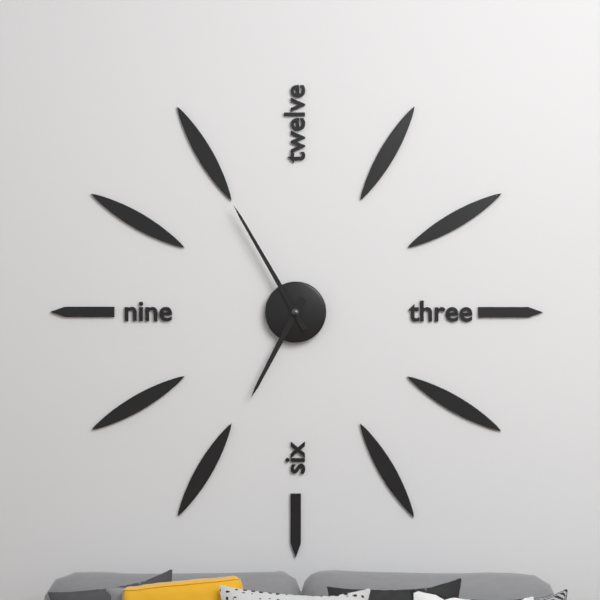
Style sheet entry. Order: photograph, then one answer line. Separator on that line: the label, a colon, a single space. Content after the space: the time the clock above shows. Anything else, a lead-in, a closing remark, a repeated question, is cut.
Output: 6:55
